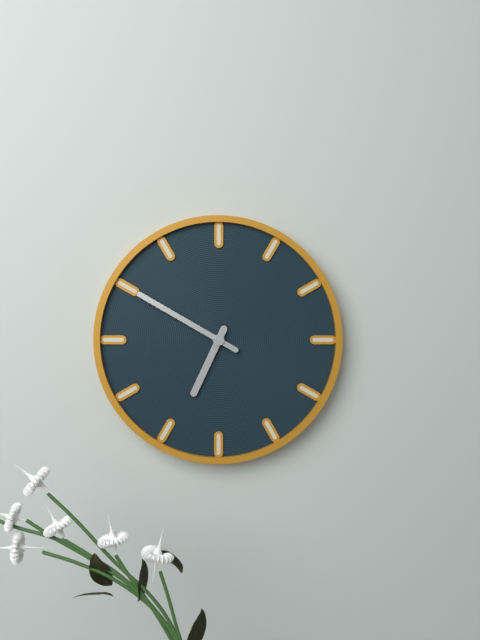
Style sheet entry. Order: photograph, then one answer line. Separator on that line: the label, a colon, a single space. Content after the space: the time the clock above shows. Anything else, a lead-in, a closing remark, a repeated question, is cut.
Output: 6:50
